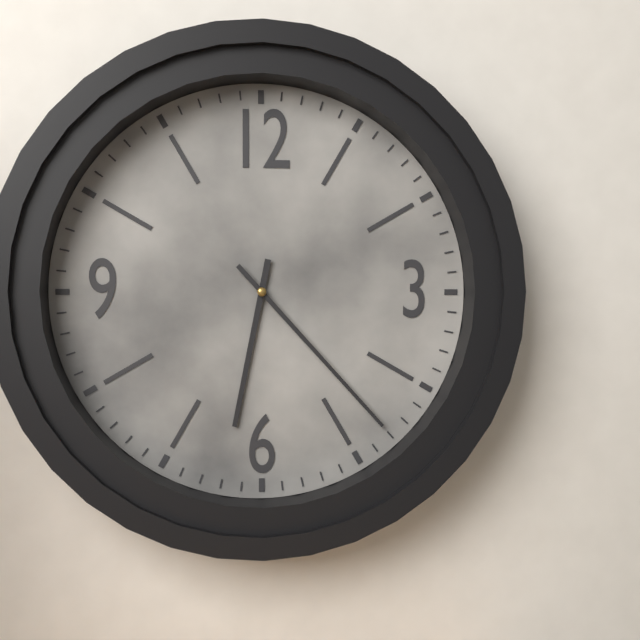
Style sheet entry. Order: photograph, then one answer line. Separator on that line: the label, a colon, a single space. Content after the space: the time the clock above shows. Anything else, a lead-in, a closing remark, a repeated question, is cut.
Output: 6:23
